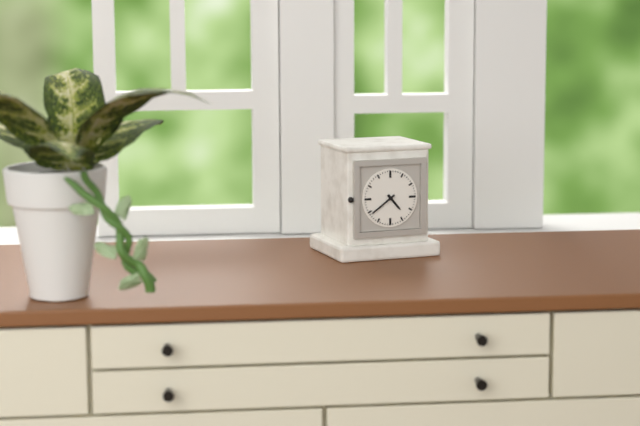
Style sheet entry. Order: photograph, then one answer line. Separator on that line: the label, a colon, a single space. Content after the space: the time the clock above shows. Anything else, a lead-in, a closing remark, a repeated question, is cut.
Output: 4:39
